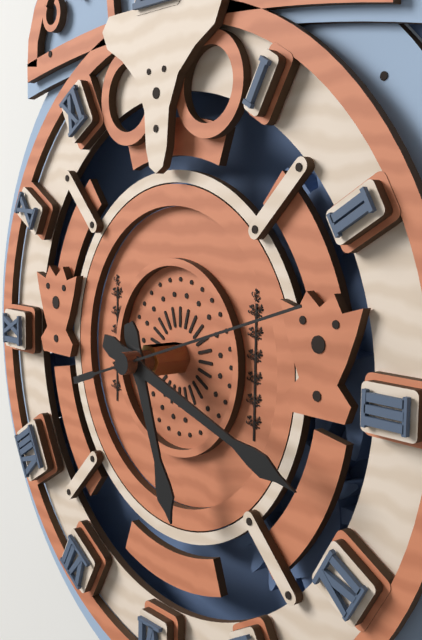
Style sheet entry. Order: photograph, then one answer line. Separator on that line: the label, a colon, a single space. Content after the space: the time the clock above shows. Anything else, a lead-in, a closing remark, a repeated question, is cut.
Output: 5:18:12
